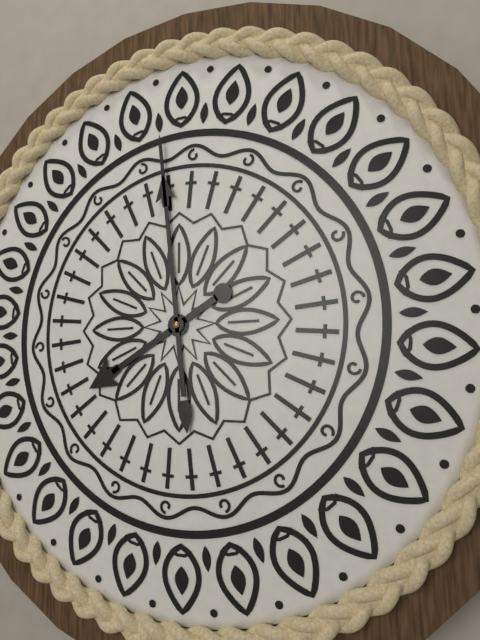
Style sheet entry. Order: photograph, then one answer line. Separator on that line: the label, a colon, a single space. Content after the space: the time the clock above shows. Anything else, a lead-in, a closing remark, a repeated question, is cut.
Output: 7:59
